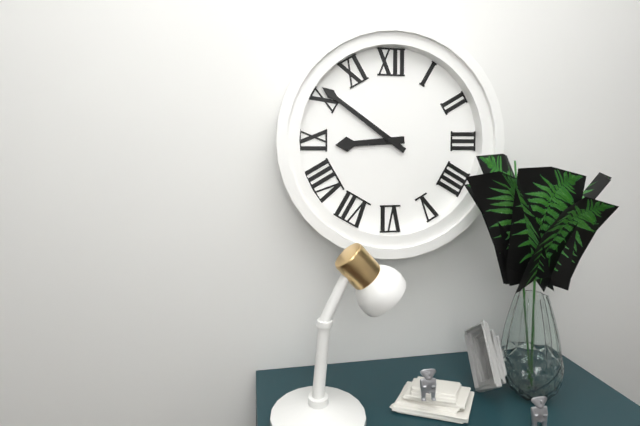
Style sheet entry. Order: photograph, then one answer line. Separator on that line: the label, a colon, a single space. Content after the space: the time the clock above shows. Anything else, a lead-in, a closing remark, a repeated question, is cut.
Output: 8:51
